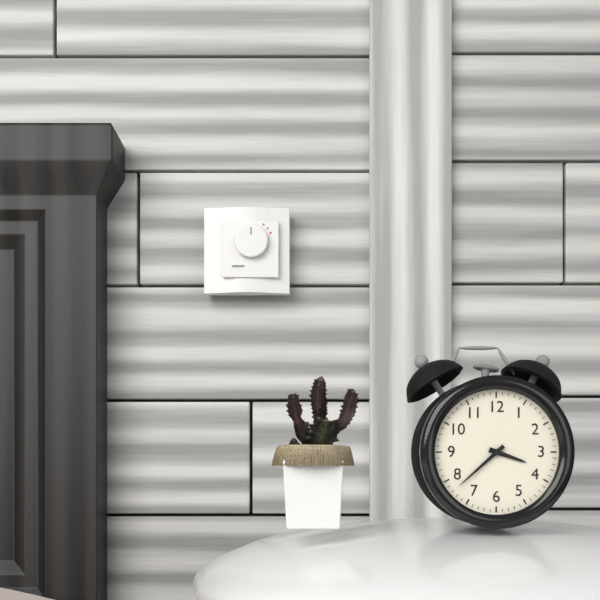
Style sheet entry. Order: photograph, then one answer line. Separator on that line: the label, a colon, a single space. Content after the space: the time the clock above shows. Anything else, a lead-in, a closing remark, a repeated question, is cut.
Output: 3:38
